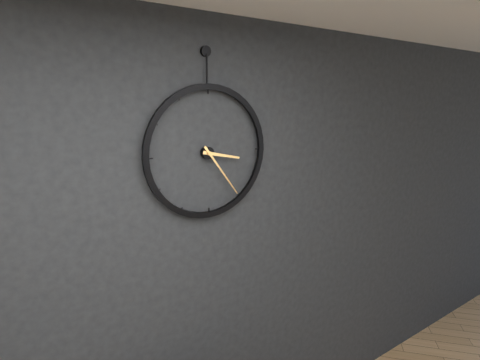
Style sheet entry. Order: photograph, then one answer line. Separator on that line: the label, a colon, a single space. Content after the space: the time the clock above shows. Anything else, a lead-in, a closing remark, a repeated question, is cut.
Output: 3:24
